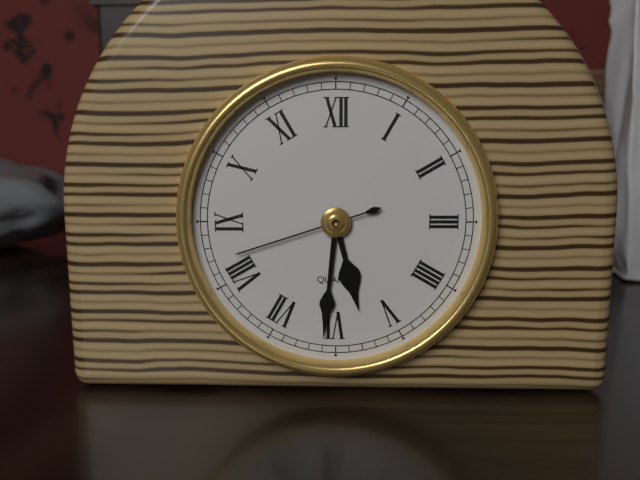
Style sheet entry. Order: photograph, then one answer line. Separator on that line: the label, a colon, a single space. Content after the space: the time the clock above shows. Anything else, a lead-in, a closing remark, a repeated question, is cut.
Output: 5:31:42
